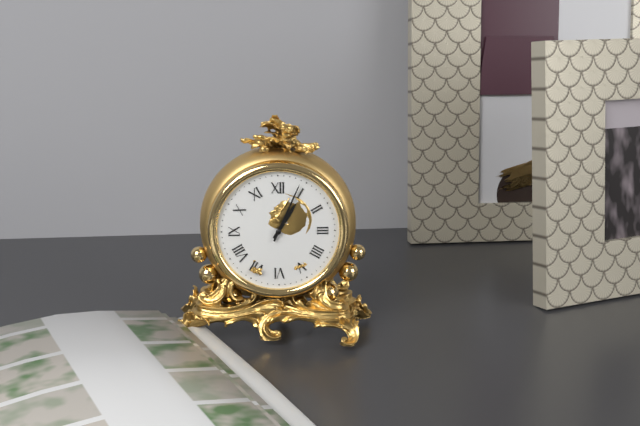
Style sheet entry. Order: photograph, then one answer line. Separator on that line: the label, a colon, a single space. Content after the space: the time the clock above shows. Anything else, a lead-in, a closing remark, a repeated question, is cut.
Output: 1:04
